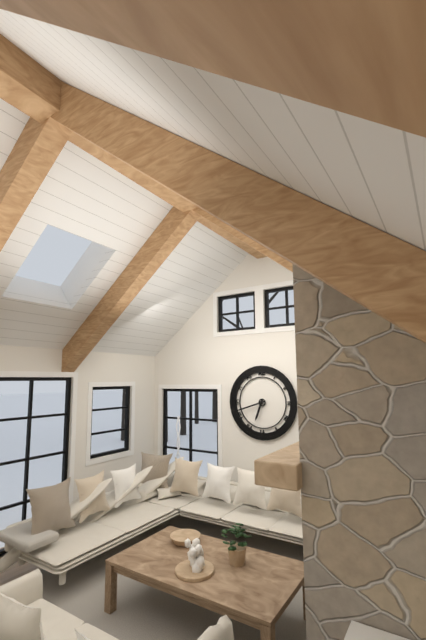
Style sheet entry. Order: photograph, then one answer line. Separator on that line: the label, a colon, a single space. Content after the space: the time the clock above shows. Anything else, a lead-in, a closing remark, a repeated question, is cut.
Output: 6:42
